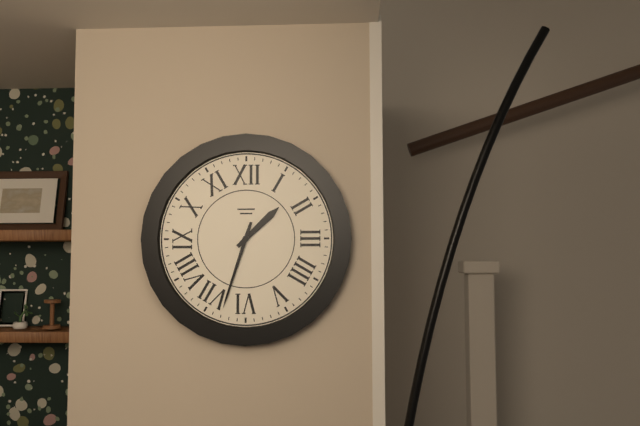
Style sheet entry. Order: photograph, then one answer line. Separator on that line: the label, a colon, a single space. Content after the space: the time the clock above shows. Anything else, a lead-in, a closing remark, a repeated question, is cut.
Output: 1:33
